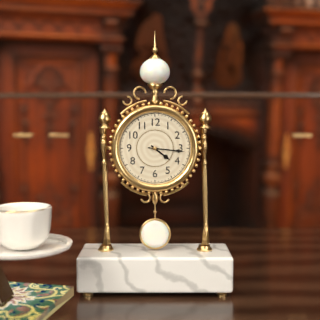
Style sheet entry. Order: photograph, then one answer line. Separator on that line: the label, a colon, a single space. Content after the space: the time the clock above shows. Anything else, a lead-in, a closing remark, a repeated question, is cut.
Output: 4:16
